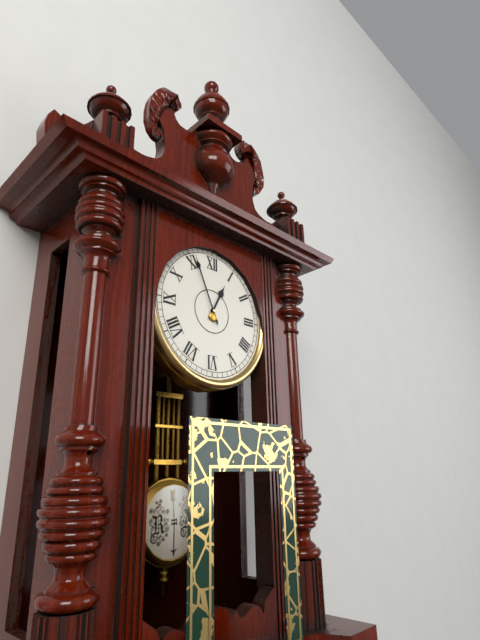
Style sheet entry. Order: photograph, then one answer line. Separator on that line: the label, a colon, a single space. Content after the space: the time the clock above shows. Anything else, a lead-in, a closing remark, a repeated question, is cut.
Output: 12:56
